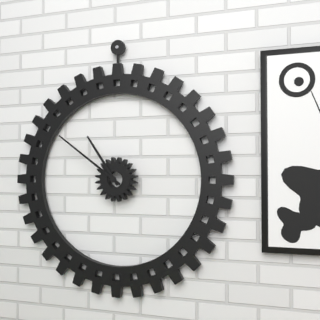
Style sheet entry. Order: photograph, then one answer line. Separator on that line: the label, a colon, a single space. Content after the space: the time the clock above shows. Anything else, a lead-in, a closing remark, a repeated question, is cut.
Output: 10:51
